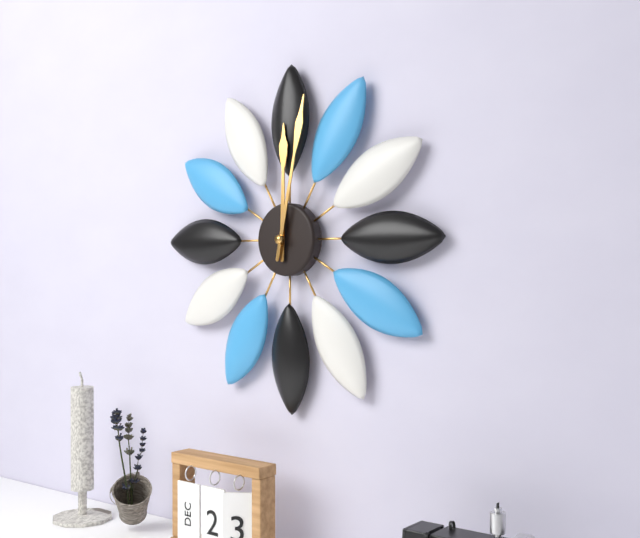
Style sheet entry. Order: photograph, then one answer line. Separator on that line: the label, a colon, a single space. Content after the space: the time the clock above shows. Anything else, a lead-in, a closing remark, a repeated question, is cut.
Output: 12:02
